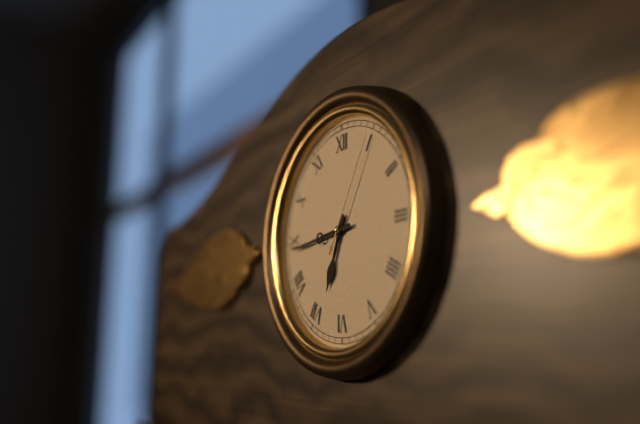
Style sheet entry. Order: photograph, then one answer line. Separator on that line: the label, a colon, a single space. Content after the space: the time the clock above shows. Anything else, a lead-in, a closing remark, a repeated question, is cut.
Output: 6:44:05
